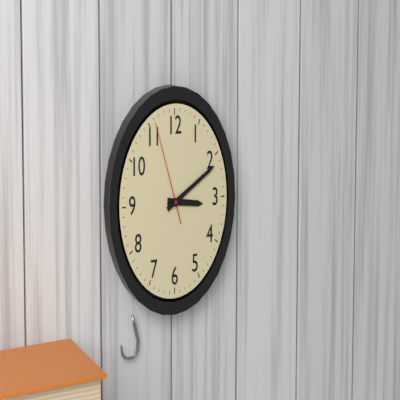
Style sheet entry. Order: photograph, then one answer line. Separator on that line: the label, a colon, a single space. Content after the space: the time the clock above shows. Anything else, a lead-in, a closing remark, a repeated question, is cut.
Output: 3:11:56
